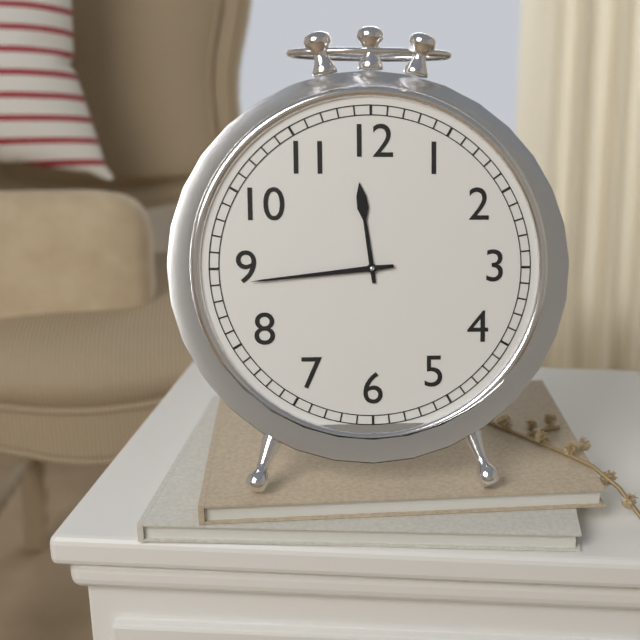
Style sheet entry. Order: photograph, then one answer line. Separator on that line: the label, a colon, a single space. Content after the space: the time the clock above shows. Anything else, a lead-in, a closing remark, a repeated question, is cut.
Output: 11:44
